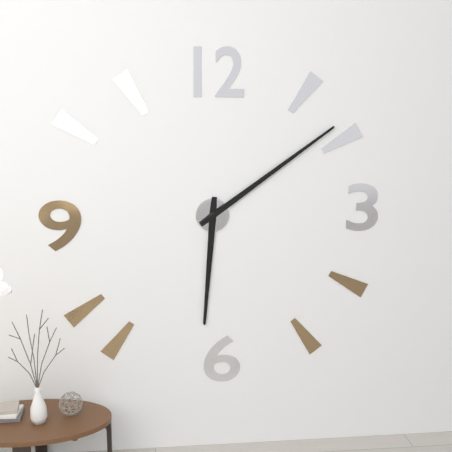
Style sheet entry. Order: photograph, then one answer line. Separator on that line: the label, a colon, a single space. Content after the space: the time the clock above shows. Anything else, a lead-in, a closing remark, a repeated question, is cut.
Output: 6:09
